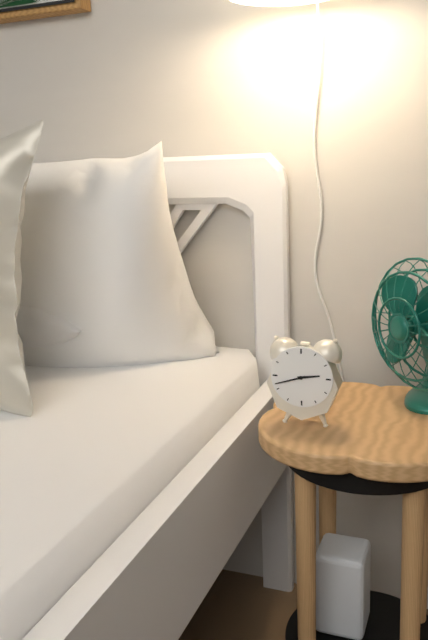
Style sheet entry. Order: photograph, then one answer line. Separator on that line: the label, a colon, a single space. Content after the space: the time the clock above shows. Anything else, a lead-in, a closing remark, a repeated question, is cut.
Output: 2:42
